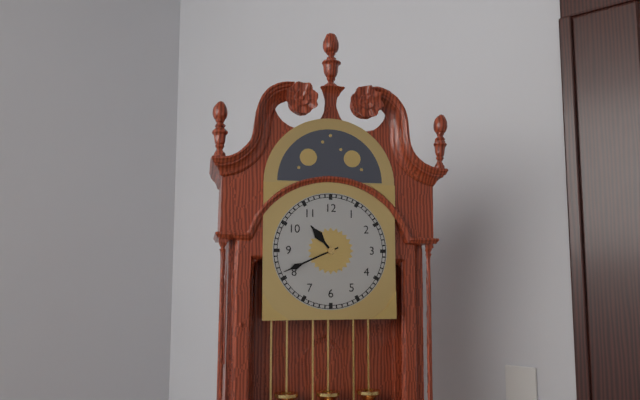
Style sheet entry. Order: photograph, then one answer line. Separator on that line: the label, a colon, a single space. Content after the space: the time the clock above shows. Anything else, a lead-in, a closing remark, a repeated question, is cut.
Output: 10:41
